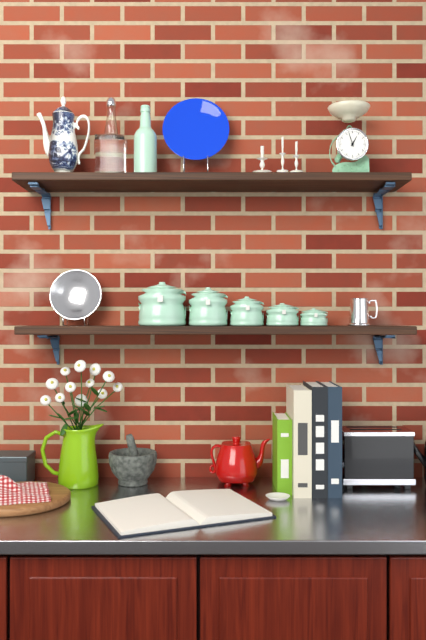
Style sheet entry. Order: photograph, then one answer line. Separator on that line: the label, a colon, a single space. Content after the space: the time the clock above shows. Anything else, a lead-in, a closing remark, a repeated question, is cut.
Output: 12:57
